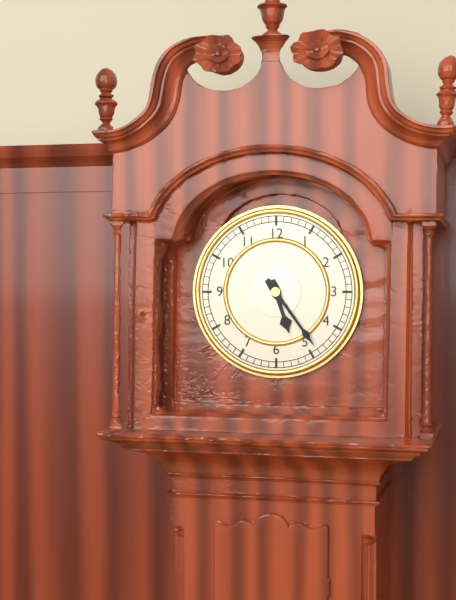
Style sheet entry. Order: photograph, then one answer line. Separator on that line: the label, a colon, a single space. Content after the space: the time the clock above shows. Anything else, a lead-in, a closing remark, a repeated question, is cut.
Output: 5:24
